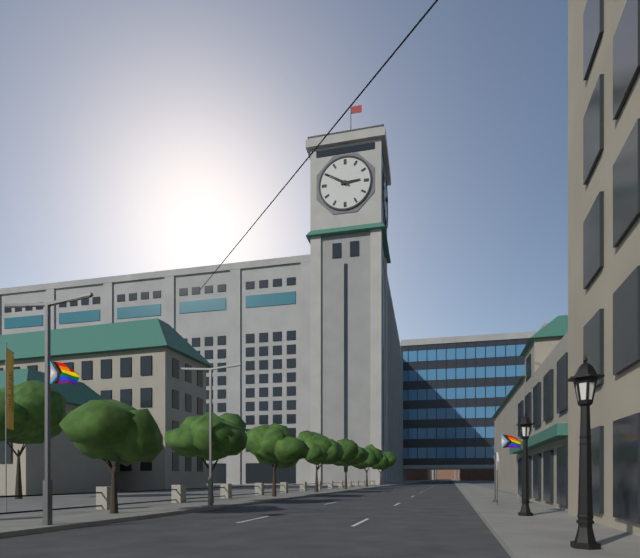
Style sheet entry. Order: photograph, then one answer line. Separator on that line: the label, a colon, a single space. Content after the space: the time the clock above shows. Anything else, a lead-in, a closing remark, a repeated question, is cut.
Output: 2:50
